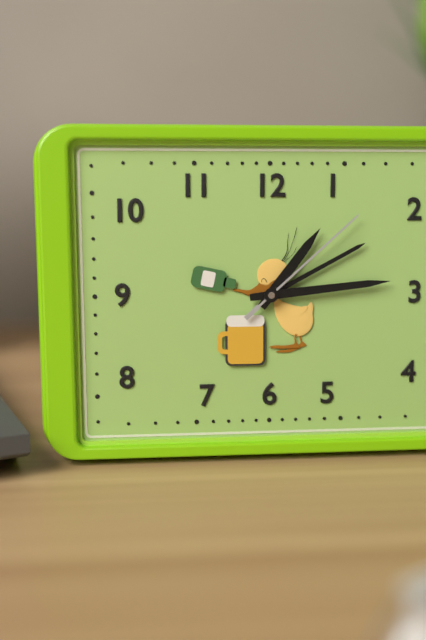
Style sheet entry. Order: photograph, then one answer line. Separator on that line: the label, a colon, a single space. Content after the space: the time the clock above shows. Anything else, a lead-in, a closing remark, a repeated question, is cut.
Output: 1:14:08
